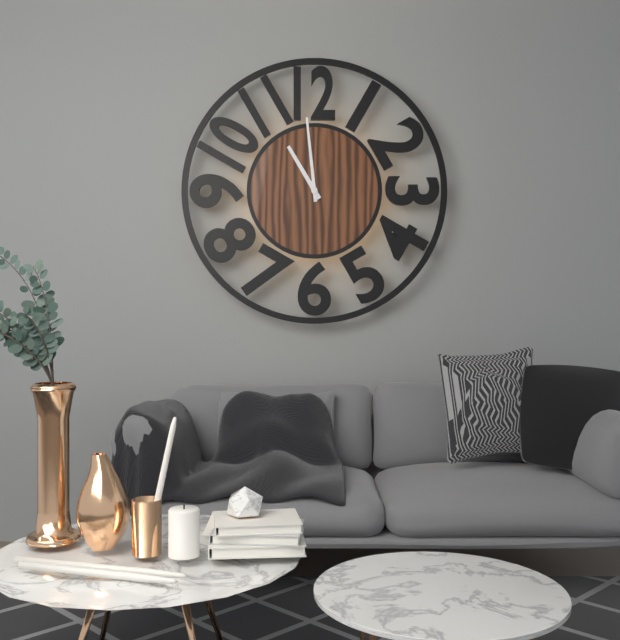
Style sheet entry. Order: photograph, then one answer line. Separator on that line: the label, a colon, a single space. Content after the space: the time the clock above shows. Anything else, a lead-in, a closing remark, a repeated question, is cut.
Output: 10:59
